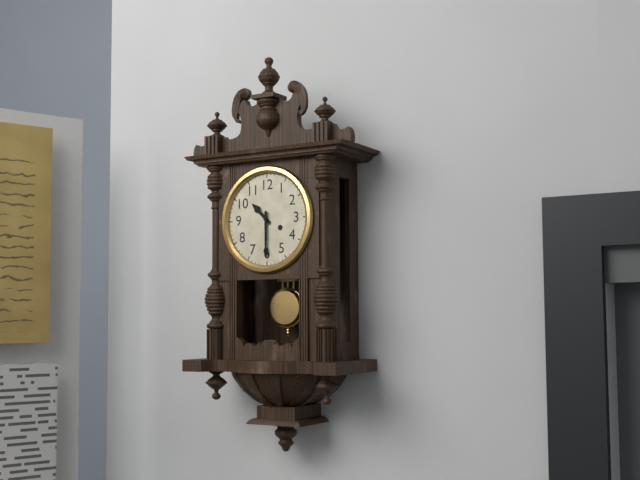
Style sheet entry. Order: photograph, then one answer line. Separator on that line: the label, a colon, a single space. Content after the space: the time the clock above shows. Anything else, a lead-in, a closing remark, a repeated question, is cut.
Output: 10:30
